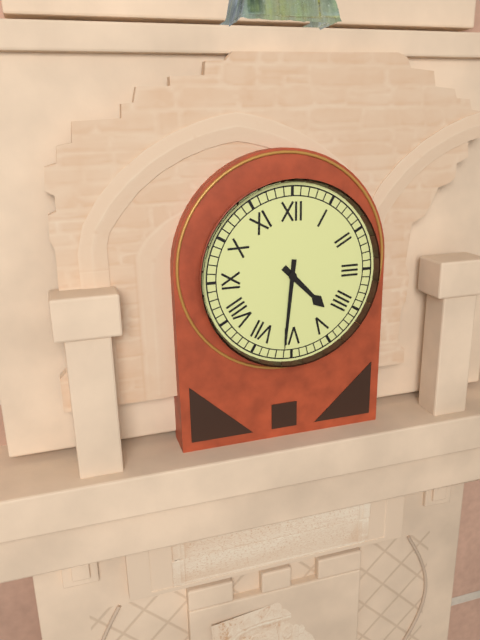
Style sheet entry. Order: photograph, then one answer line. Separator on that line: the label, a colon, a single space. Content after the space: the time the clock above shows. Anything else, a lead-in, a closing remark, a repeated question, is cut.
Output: 4:31
